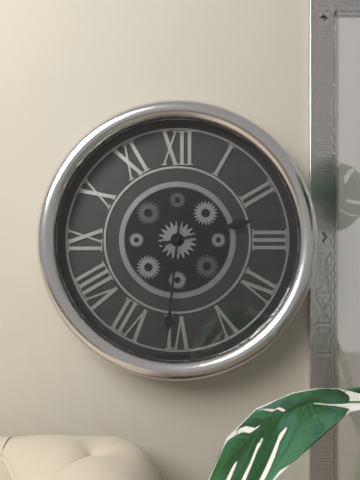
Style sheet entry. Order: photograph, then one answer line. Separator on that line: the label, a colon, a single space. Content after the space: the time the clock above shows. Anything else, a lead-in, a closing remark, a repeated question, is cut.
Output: 2:31
